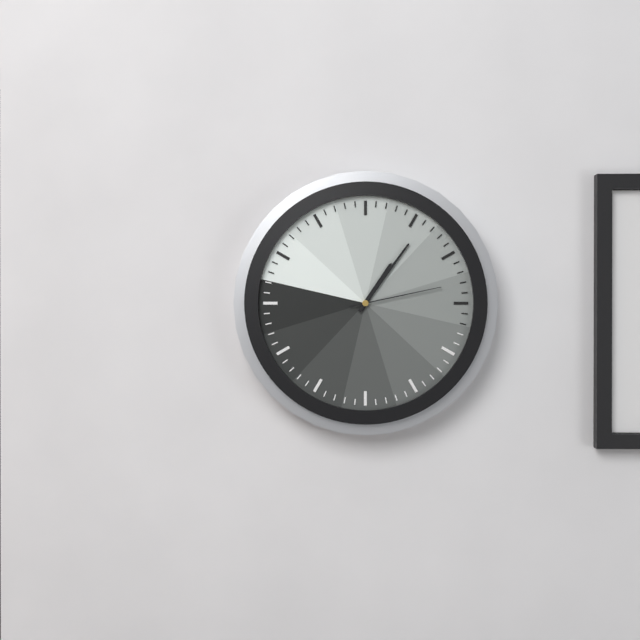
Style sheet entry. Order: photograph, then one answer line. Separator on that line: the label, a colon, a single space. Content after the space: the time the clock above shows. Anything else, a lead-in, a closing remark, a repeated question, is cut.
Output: 1:06:13
